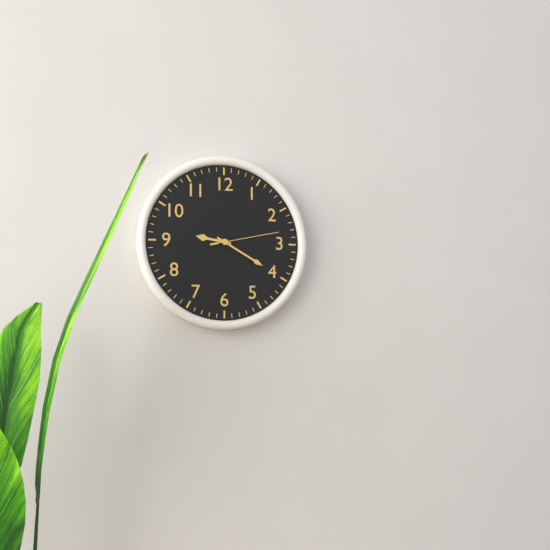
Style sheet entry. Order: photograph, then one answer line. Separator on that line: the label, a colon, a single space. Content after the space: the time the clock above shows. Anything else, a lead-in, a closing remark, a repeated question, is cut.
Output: 9:20:13
